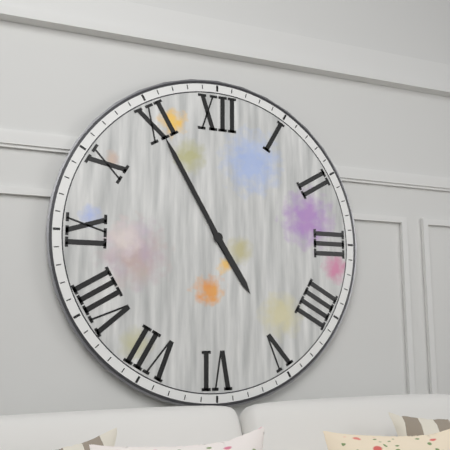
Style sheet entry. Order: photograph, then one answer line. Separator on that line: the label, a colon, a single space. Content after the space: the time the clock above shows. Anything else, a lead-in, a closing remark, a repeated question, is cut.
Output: 4:55
